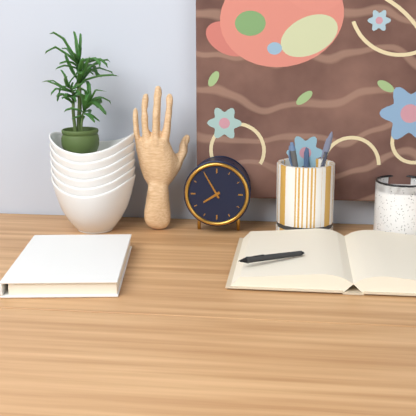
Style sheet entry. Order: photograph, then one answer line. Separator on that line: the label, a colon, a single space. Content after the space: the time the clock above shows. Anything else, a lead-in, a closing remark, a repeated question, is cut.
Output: 7:55
